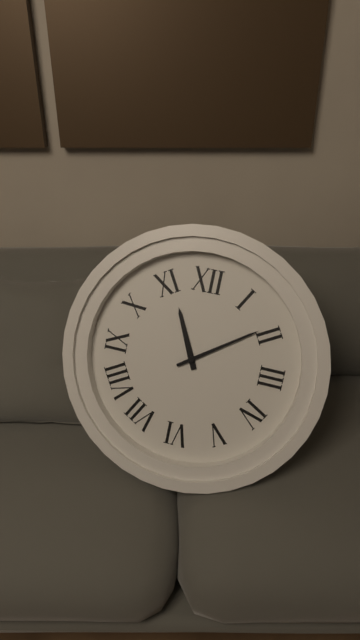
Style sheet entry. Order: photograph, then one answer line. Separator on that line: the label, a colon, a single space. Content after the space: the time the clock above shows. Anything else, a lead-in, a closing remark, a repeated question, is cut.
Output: 11:09
